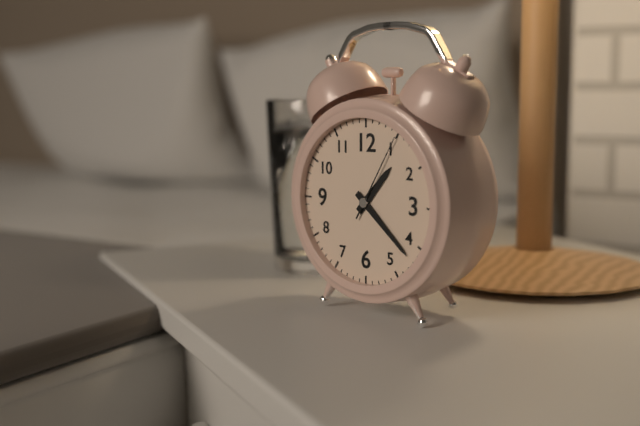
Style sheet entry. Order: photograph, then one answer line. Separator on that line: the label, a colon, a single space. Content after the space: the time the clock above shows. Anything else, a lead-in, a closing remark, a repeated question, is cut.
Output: 1:22:05
